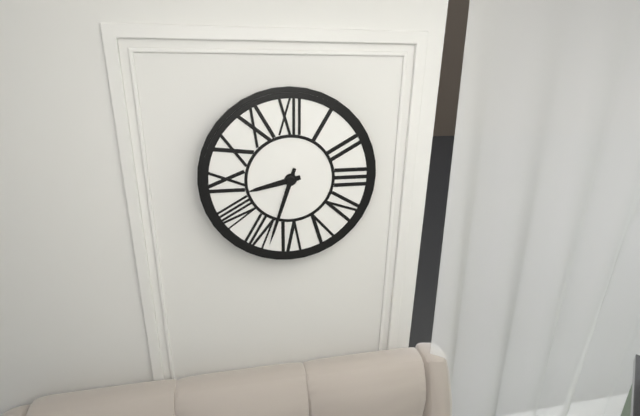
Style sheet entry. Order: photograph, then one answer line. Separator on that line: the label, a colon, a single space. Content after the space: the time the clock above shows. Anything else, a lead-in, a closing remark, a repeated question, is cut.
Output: 8:33
